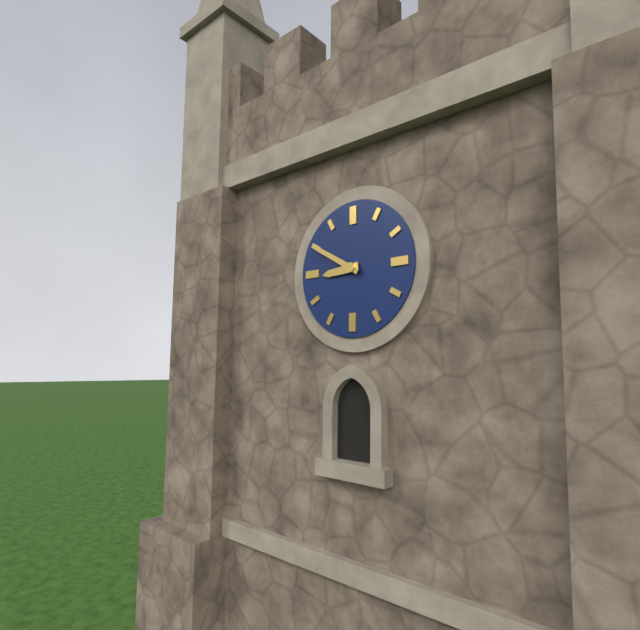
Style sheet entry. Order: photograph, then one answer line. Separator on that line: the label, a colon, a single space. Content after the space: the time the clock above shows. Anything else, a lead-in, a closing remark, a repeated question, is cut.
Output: 8:50
